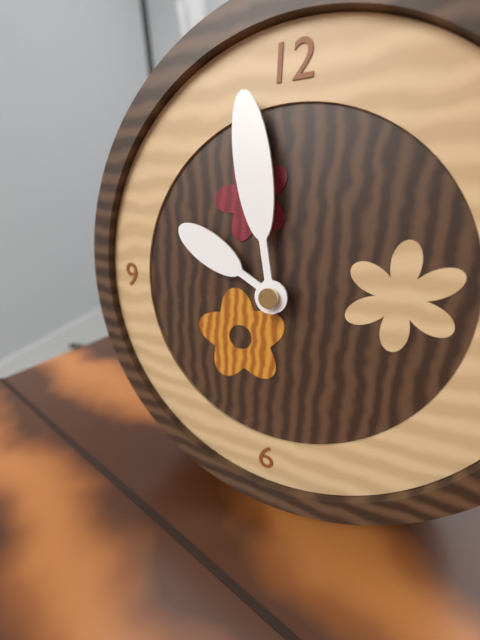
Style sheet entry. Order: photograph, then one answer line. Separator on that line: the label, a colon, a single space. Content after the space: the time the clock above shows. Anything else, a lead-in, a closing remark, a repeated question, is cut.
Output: 9:58
